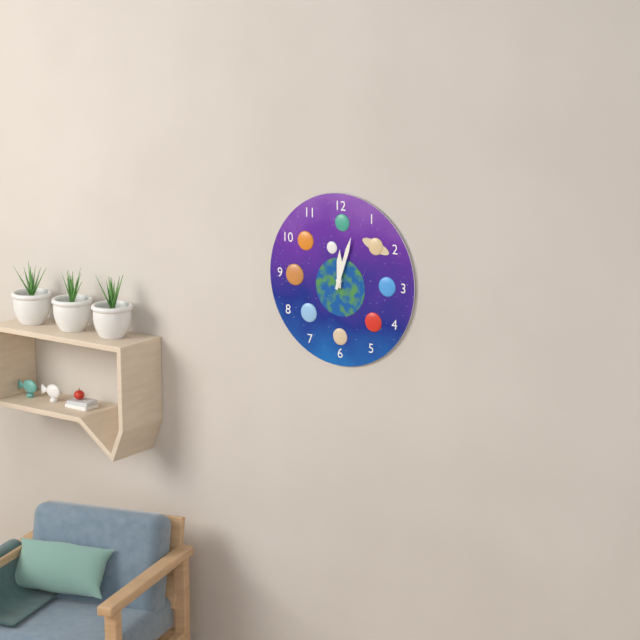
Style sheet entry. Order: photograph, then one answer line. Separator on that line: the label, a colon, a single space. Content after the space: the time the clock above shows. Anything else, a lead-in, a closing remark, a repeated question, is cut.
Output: 12:03
